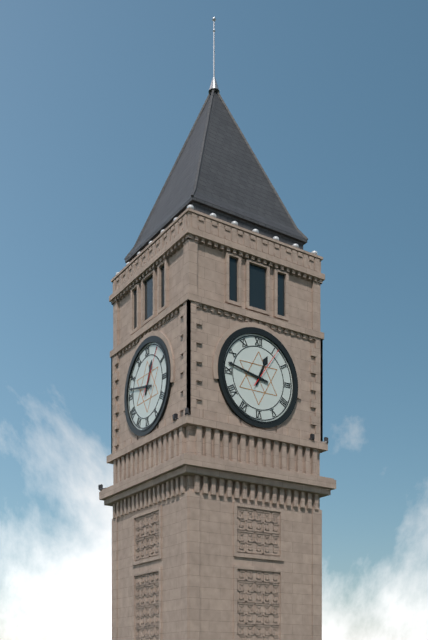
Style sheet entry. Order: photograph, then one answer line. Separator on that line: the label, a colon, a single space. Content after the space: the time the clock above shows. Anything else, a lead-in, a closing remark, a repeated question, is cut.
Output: 12:47
